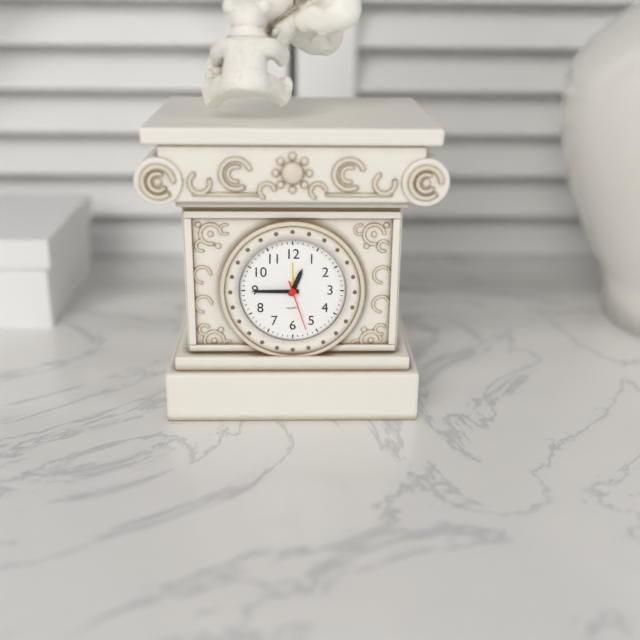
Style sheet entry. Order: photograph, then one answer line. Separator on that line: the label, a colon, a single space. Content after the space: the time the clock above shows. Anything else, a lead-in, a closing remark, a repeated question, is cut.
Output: 12:45:27
